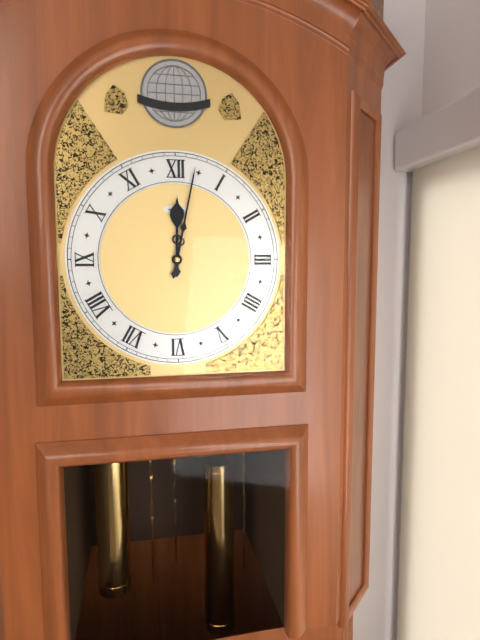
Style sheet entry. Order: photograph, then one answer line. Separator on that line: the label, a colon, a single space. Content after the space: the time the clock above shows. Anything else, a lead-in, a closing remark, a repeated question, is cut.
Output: 12:02
